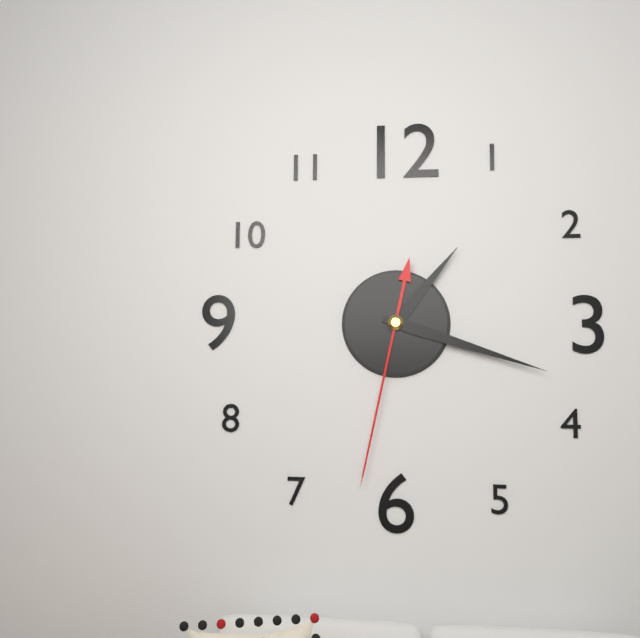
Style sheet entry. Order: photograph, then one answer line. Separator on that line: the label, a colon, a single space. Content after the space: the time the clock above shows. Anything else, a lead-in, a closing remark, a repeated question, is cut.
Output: 1:18:32
